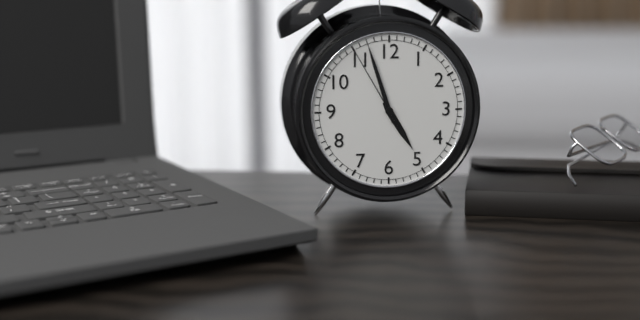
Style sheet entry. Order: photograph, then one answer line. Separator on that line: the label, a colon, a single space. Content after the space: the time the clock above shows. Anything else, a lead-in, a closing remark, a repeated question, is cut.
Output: 4:57:55
